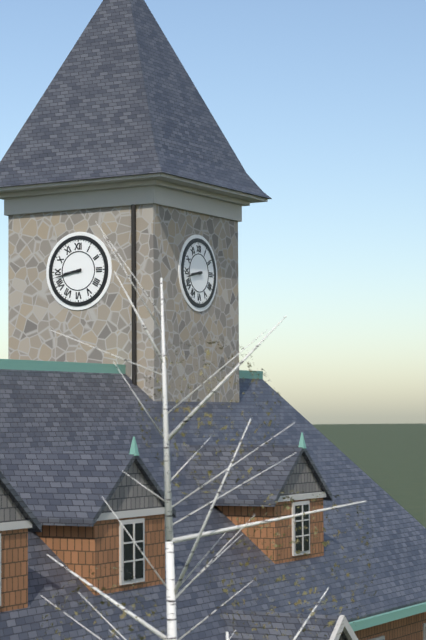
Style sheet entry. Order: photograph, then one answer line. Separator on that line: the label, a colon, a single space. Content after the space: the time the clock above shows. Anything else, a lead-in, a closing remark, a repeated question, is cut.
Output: 8:43
